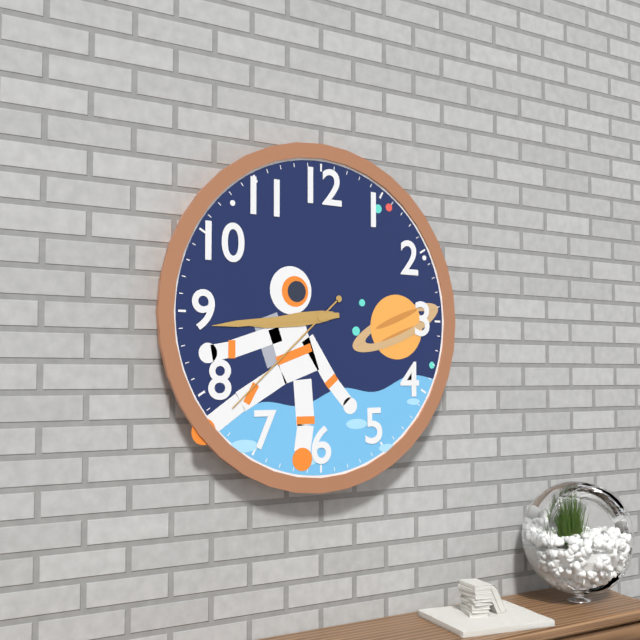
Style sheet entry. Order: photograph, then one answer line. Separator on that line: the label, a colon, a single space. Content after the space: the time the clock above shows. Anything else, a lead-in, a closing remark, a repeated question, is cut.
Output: 8:44:38
